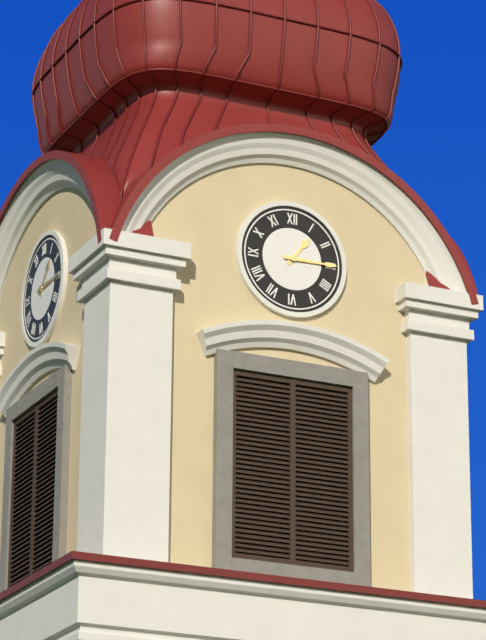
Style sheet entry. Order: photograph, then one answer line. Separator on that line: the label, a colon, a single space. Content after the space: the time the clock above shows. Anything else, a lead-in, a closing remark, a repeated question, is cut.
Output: 1:15
